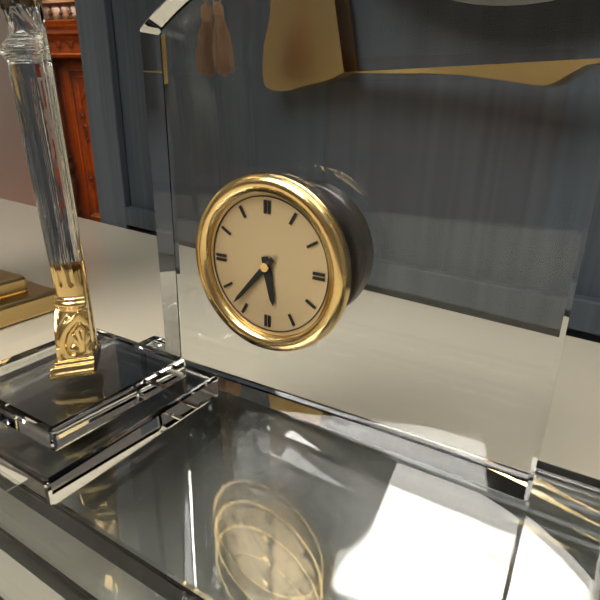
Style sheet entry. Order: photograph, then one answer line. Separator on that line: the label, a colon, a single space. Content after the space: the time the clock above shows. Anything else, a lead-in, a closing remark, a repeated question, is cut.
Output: 5:37
